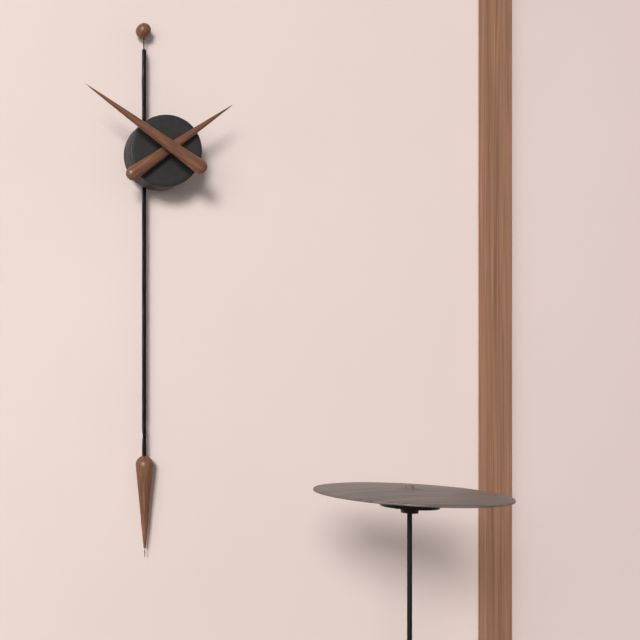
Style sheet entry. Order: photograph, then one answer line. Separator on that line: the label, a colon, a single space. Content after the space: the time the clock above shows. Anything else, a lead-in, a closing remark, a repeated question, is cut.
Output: 1:51
